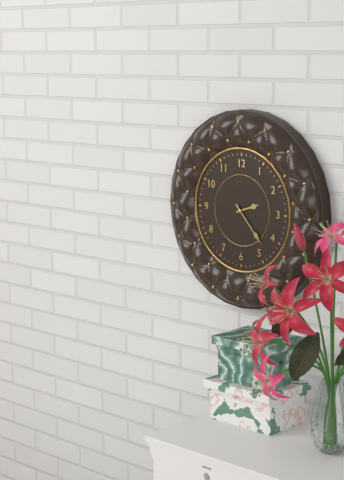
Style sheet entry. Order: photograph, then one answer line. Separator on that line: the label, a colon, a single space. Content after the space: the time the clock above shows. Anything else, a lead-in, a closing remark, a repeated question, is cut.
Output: 2:23
